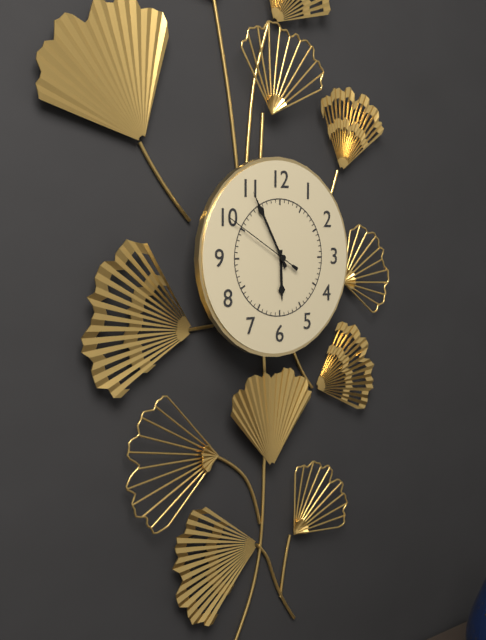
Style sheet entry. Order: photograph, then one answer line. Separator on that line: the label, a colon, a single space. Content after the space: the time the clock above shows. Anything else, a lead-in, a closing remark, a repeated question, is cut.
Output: 5:55:50
